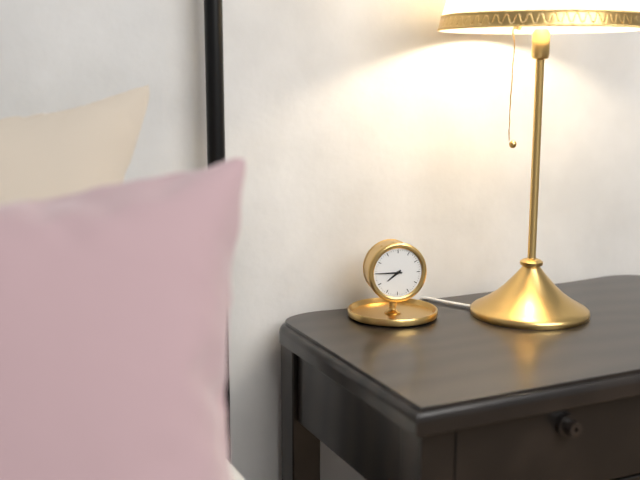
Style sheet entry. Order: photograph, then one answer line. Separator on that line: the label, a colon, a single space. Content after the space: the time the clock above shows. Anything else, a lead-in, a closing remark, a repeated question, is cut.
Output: 7:45
